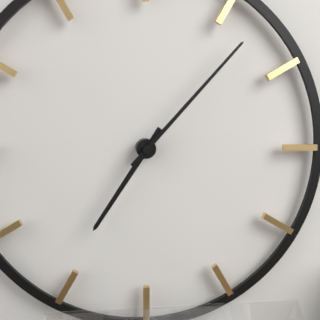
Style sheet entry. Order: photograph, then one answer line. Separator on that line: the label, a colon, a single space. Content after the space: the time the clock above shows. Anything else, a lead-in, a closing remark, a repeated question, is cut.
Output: 7:07
